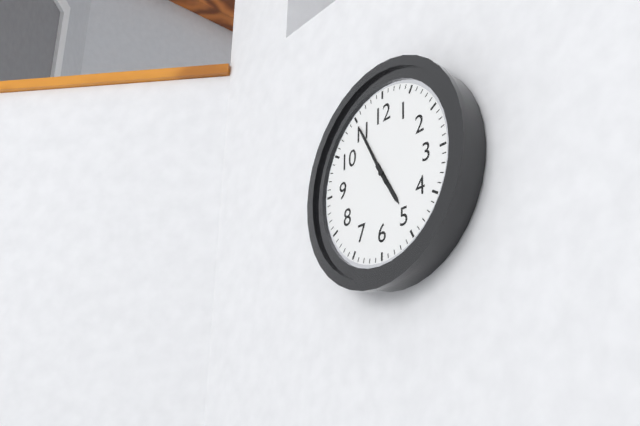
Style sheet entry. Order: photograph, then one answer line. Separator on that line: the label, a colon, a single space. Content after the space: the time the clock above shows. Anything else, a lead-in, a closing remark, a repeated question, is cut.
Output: 4:55
